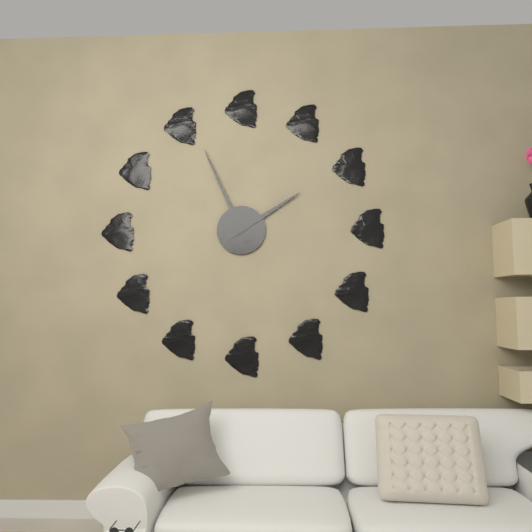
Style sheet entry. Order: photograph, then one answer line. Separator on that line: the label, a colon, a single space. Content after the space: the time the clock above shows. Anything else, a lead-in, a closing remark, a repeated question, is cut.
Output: 1:56
